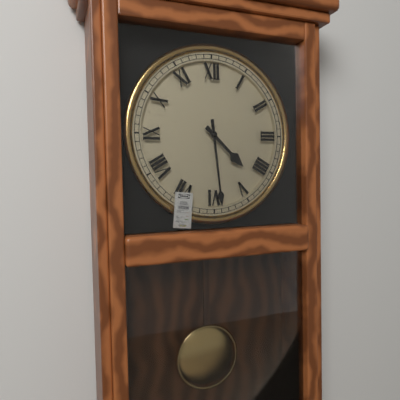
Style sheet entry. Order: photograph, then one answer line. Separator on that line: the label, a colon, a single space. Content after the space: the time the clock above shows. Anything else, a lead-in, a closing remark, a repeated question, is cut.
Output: 4:29
